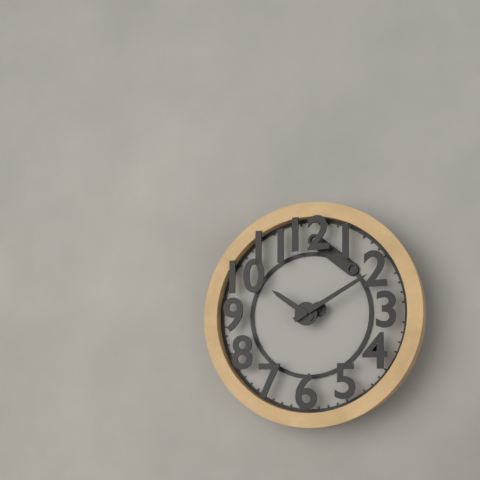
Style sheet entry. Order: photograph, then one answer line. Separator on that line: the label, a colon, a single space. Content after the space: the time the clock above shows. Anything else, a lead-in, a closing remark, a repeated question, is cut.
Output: 10:10
